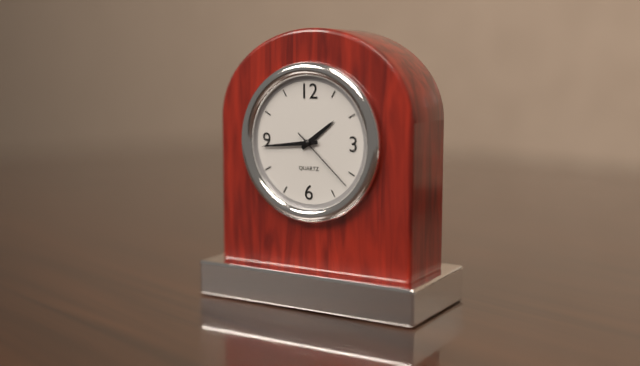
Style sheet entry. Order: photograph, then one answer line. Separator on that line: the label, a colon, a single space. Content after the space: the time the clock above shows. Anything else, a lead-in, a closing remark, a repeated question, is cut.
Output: 1:44:22
